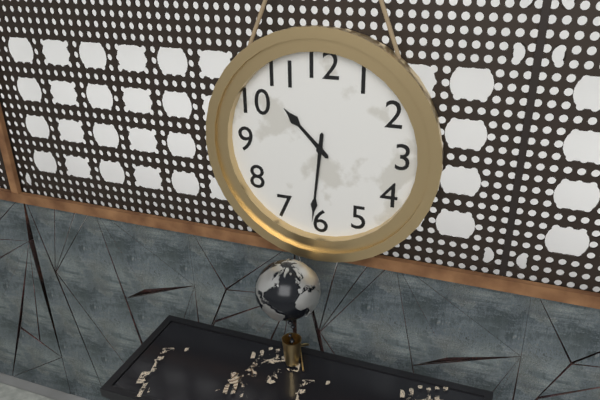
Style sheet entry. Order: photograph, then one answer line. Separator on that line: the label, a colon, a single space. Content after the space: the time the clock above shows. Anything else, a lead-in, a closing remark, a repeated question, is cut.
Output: 10:31
